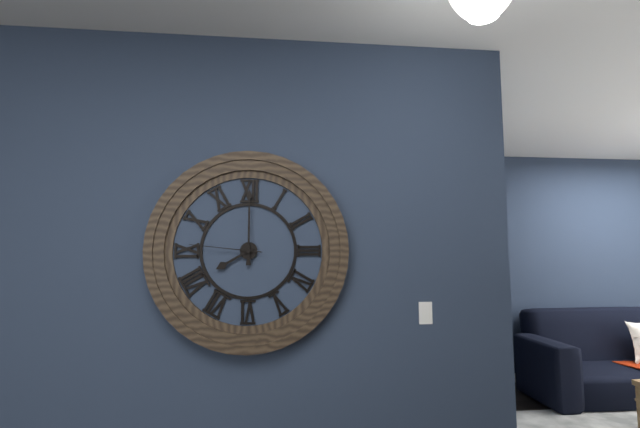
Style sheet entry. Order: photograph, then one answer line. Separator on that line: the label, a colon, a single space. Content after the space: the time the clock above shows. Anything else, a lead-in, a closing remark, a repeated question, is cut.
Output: 8:00:46
